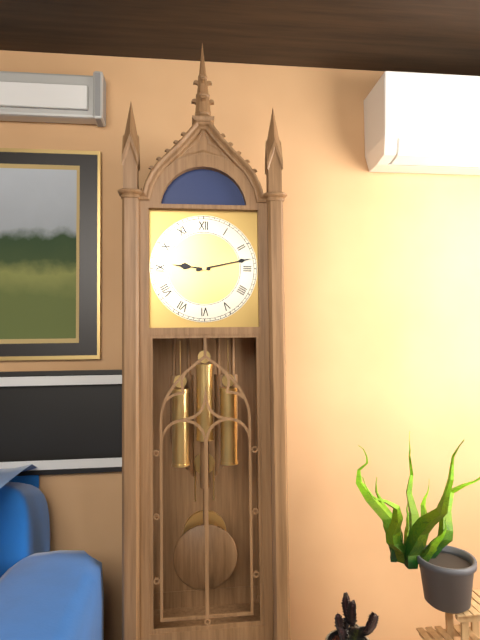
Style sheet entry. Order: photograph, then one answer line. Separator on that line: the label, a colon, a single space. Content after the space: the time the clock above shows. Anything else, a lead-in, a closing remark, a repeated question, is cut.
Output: 9:13
